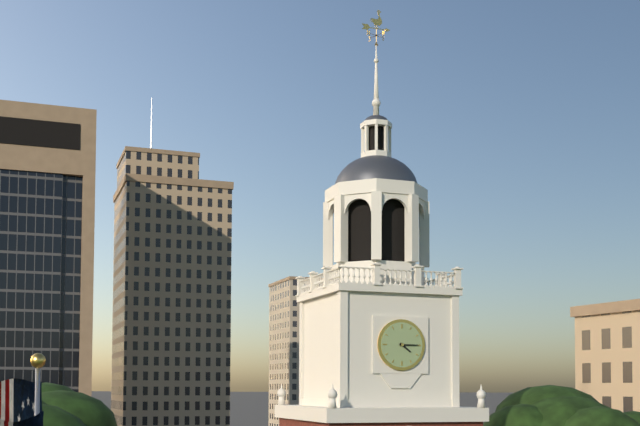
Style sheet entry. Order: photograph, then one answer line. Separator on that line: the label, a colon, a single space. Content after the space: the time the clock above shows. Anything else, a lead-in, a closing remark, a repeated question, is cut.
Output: 4:15
